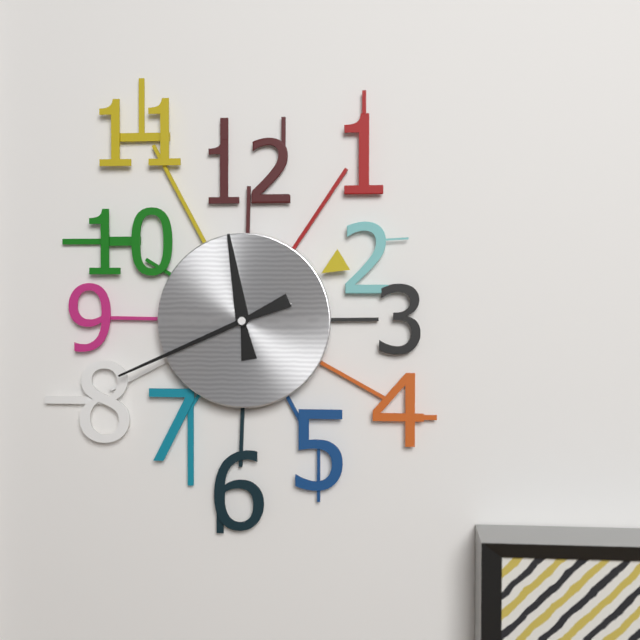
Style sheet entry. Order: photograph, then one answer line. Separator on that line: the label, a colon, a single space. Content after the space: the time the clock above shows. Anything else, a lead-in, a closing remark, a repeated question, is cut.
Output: 11:41
